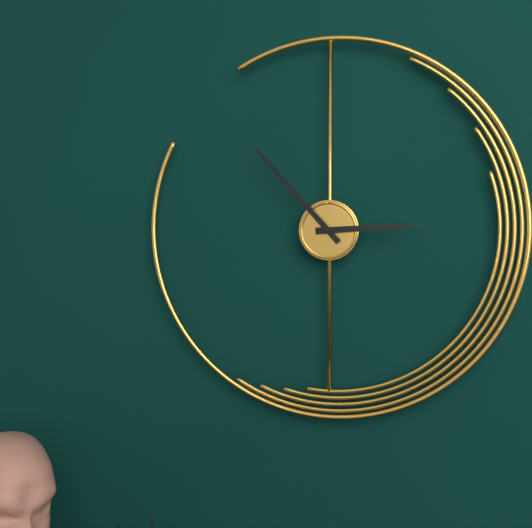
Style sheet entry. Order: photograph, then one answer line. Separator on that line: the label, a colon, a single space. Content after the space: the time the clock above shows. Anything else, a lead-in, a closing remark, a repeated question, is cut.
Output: 2:53
